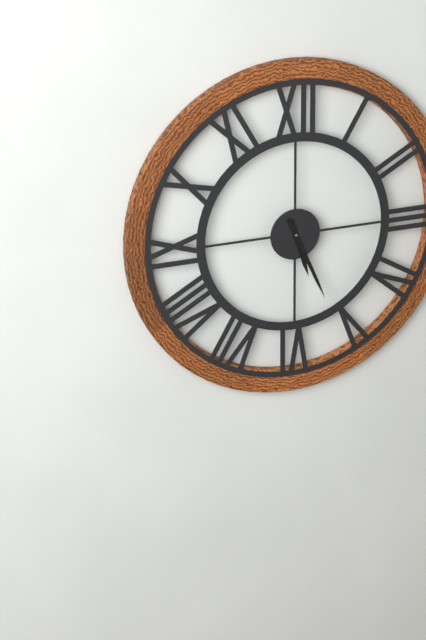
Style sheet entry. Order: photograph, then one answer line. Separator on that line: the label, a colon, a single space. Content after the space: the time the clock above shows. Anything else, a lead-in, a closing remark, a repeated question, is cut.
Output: 5:26
